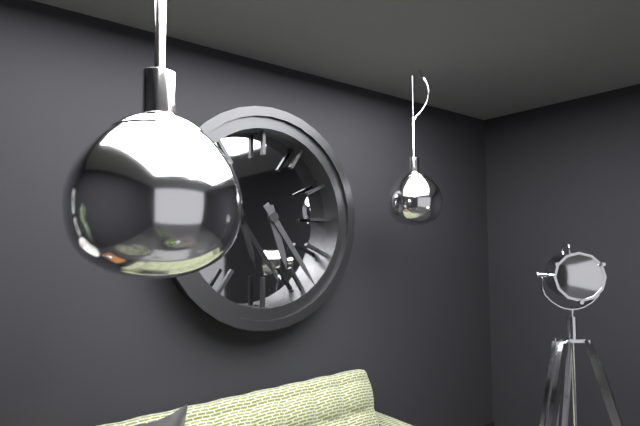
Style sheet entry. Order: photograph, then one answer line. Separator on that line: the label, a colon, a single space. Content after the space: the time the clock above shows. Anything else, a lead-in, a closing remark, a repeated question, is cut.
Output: 5:24
